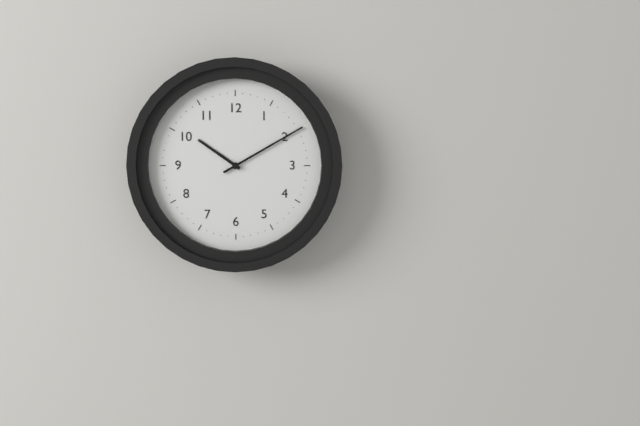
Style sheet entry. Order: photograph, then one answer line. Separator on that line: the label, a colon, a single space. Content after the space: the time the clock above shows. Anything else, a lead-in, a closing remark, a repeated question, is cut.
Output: 10:10
